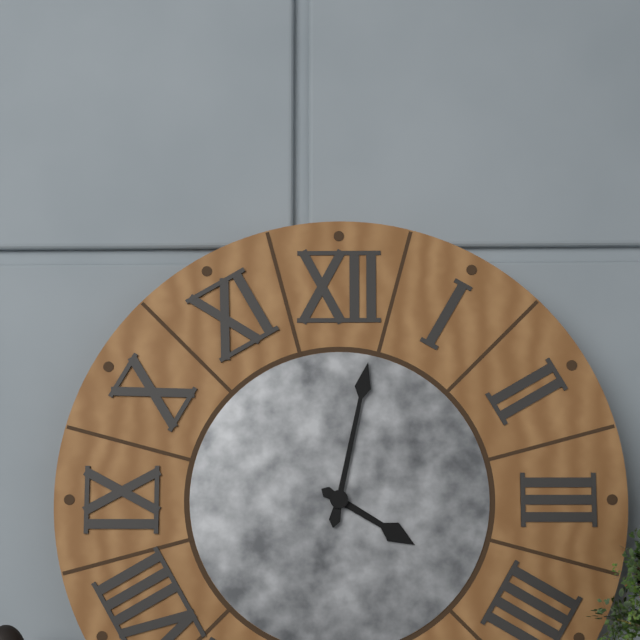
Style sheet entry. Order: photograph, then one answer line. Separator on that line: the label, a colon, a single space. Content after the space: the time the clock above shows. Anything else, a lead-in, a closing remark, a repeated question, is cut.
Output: 4:02
